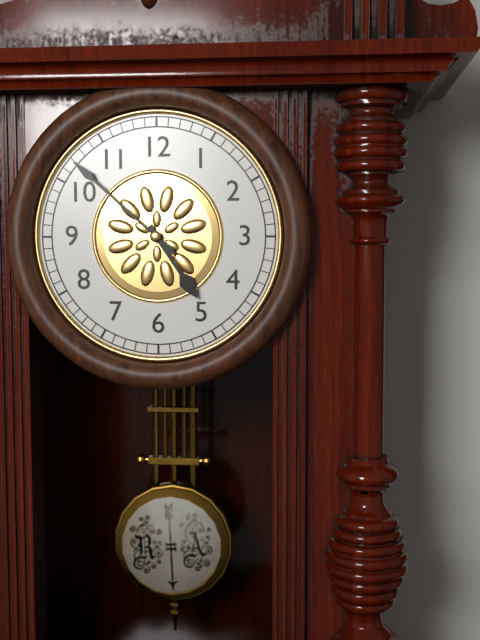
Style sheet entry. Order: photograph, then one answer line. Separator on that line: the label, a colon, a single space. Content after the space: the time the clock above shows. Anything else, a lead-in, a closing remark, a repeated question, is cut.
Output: 4:52
